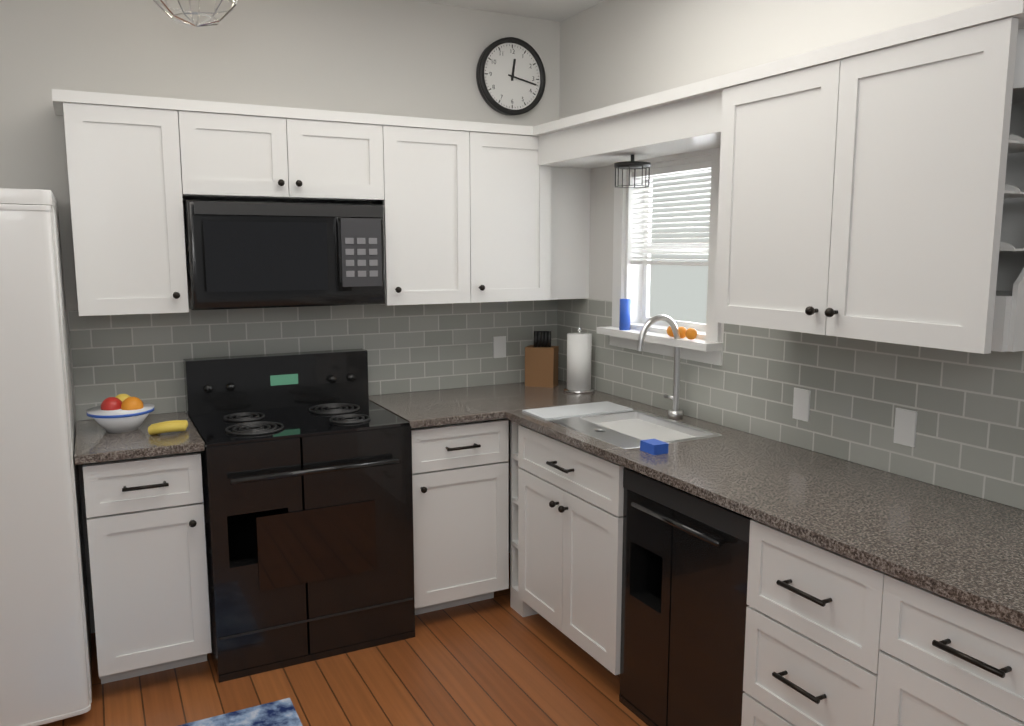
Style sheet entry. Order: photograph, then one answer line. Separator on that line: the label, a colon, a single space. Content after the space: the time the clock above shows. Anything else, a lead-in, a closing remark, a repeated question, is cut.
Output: 12:17
